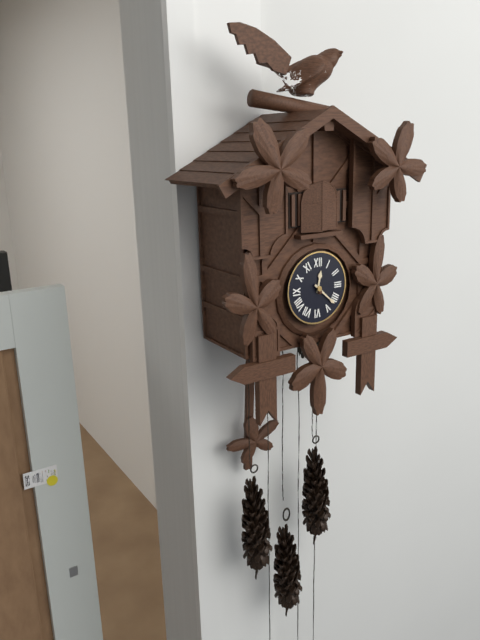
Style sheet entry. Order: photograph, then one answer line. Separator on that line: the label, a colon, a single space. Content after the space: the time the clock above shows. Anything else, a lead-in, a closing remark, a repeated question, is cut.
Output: 12:22
